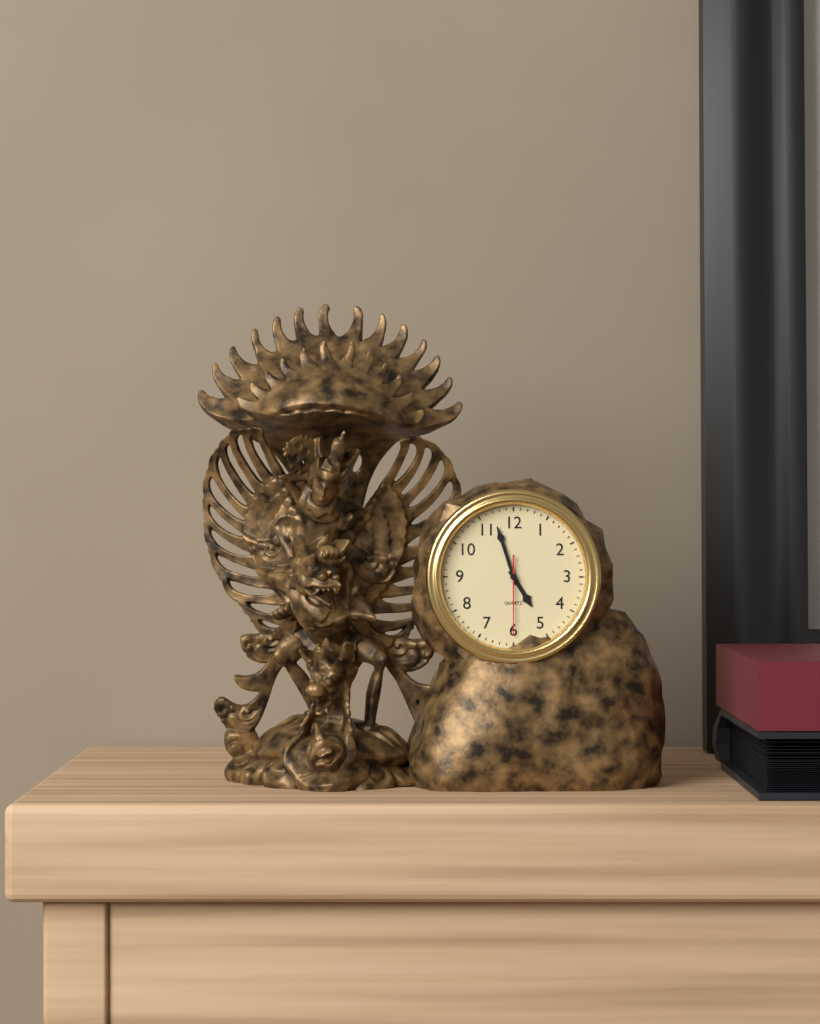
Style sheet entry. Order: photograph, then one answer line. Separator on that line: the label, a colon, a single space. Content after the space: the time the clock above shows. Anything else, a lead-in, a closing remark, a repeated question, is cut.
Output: 4:57:30
